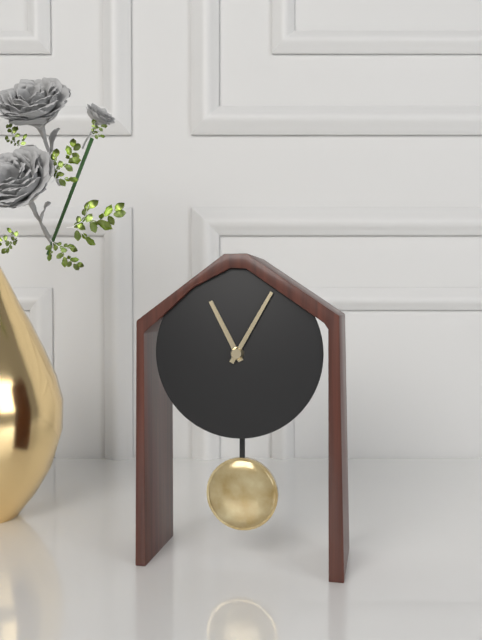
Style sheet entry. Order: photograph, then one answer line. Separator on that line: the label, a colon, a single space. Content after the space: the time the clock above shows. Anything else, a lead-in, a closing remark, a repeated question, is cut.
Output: 11:05
